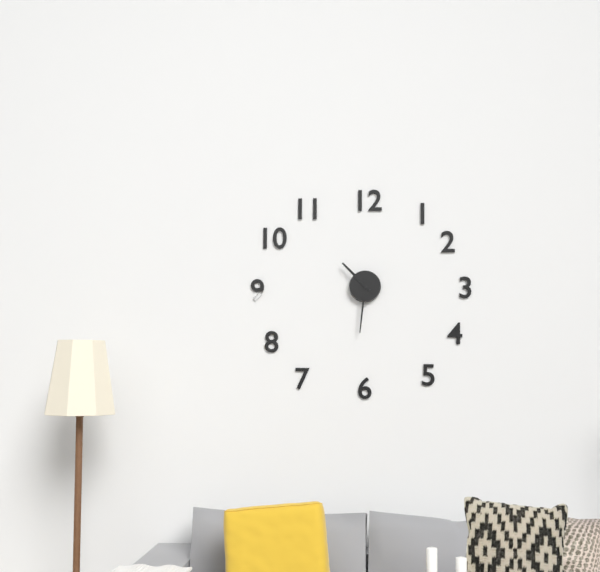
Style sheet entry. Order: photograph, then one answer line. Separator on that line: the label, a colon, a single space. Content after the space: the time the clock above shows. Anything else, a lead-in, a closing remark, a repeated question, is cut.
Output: 10:31
